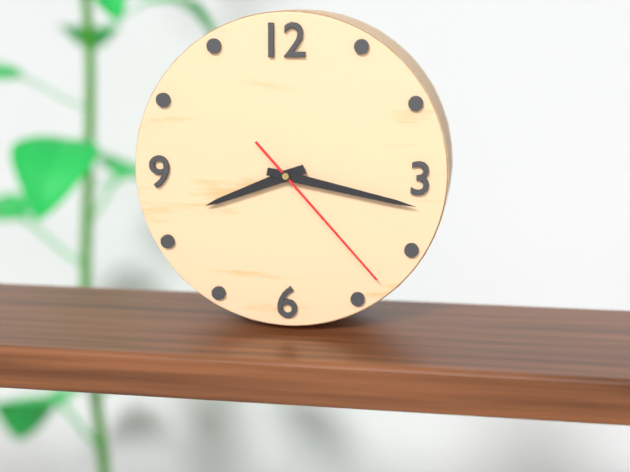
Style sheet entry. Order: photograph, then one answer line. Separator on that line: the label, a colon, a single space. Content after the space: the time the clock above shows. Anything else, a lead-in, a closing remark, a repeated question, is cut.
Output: 8:17:23
